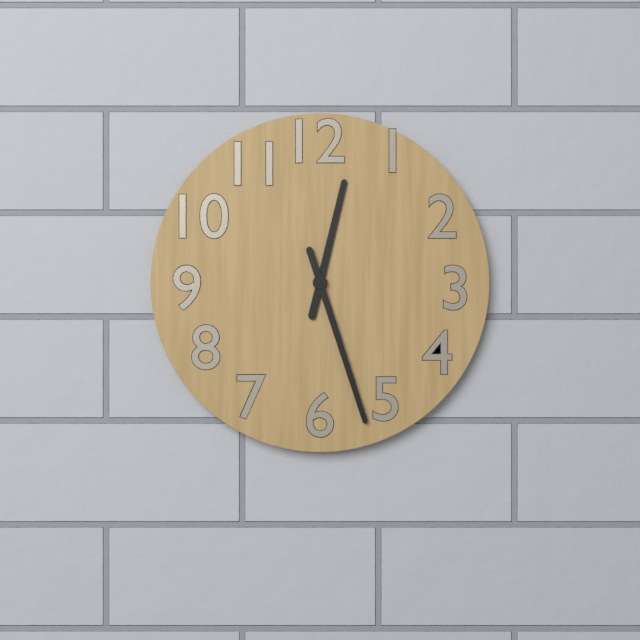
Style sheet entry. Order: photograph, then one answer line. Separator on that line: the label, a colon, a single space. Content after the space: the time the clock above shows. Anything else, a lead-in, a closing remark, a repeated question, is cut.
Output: 12:27
